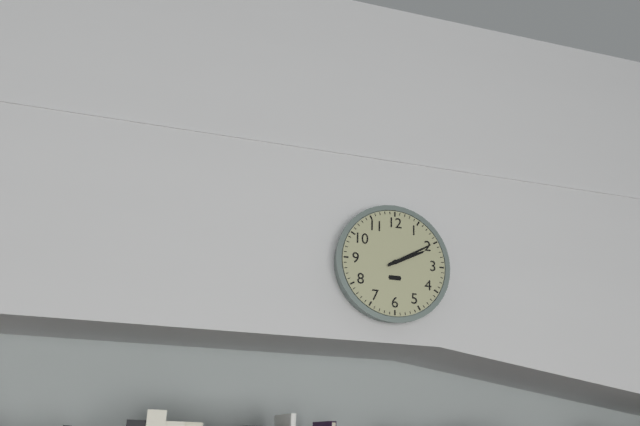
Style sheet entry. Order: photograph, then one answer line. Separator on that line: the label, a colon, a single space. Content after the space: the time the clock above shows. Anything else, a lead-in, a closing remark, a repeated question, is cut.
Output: 2:10
